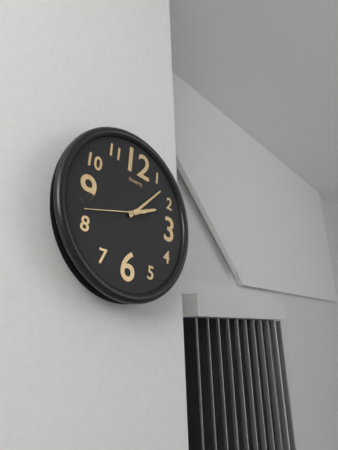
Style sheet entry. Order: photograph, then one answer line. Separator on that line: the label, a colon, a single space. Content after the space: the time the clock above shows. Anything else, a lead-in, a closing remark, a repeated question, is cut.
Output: 2:07:42
